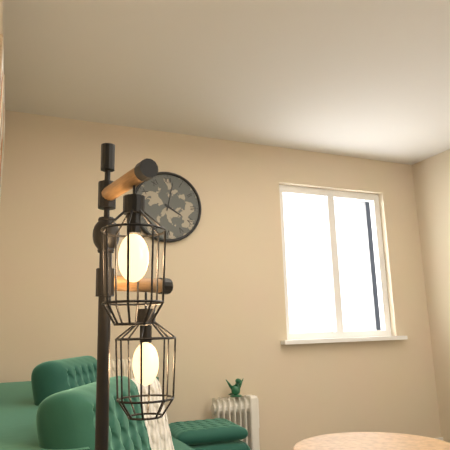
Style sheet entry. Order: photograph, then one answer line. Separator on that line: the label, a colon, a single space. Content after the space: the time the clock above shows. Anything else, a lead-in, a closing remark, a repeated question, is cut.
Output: 4:02
